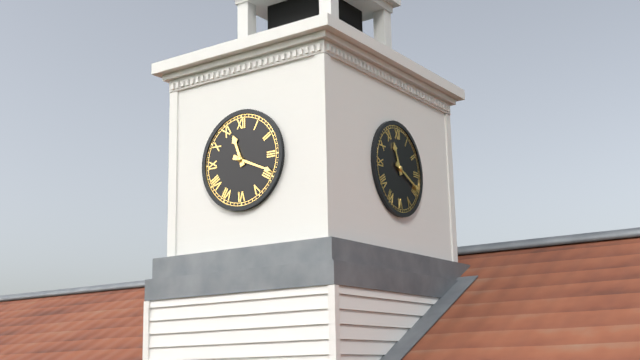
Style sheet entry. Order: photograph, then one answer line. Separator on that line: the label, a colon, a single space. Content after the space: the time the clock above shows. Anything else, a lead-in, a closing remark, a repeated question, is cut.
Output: 11:19
